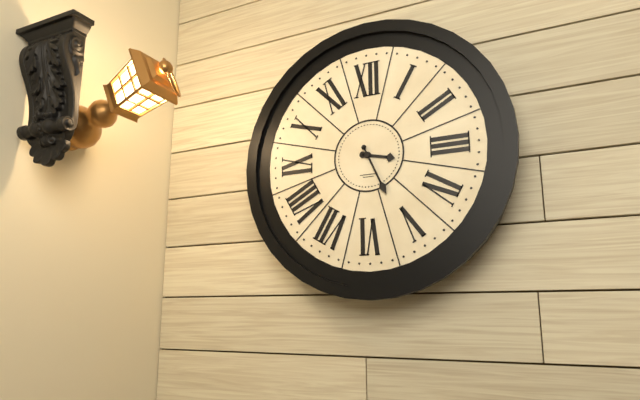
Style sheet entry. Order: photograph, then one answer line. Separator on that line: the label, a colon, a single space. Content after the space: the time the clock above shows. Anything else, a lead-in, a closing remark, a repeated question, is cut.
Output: 3:26
